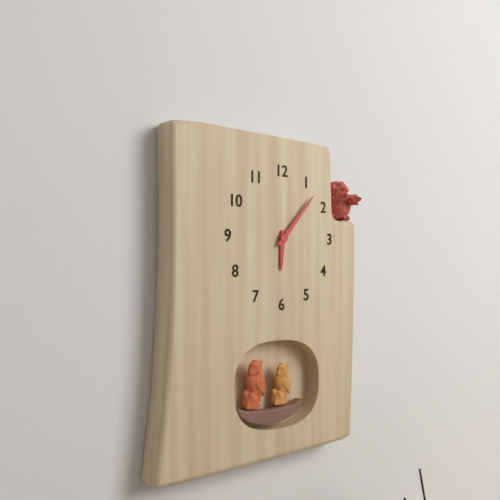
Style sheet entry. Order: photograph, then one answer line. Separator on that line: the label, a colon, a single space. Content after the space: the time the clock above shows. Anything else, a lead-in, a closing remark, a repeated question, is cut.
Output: 6:07
